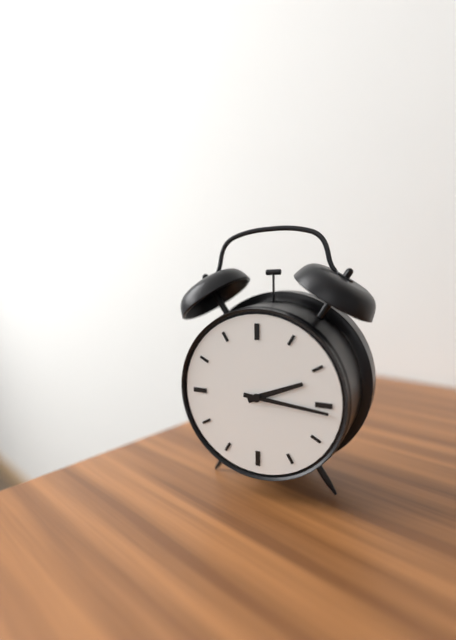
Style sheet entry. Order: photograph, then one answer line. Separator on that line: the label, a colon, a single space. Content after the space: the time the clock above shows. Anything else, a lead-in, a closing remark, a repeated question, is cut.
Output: 2:16
